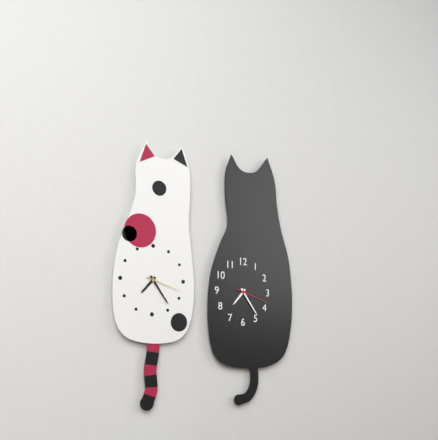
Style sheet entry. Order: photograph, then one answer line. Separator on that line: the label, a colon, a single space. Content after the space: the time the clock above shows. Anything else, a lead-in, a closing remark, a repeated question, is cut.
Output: 7:24
